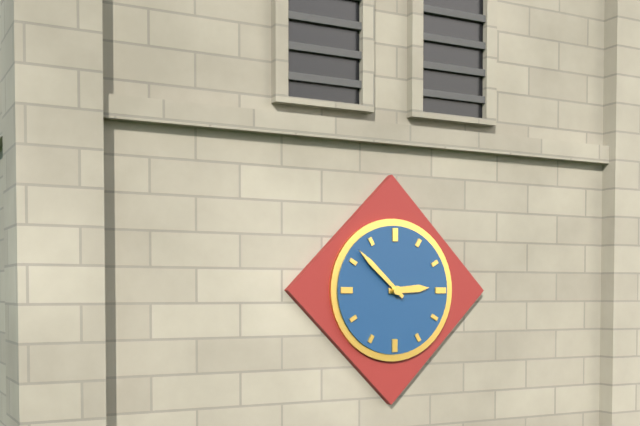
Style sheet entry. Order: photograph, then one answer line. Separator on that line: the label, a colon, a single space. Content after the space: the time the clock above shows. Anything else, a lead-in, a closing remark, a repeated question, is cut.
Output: 2:52
